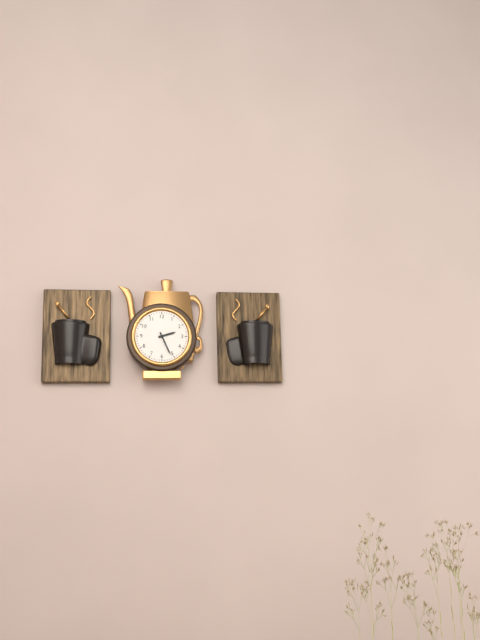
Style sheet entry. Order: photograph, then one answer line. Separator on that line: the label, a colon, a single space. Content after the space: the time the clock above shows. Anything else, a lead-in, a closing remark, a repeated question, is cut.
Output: 2:26
